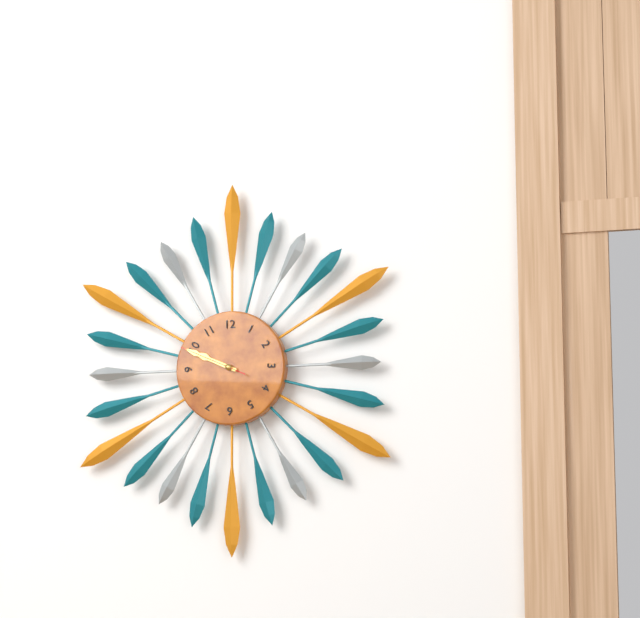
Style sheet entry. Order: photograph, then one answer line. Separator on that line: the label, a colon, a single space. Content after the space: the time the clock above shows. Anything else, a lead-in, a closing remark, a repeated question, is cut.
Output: 9:49:49
